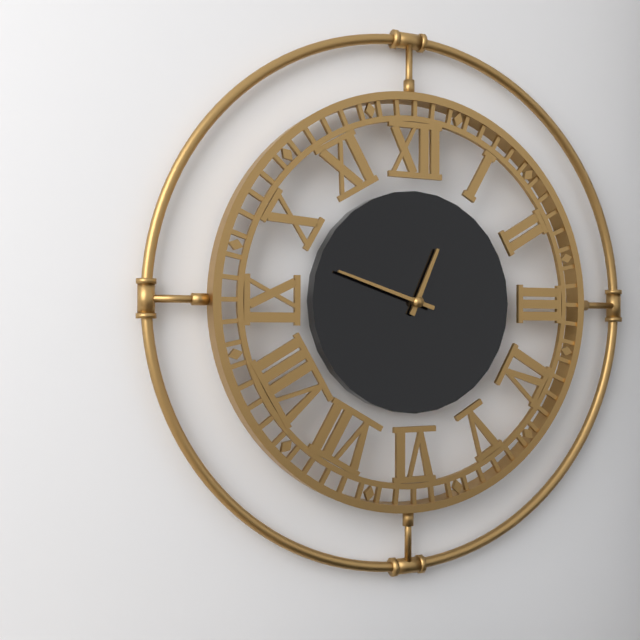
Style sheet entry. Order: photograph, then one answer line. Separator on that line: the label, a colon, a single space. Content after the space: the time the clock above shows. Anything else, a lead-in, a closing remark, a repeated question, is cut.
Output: 12:48
